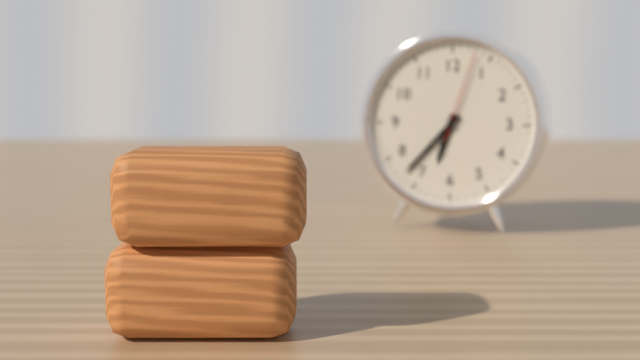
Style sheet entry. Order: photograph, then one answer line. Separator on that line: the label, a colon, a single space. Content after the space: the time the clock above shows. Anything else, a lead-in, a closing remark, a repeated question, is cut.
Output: 6:37:03
